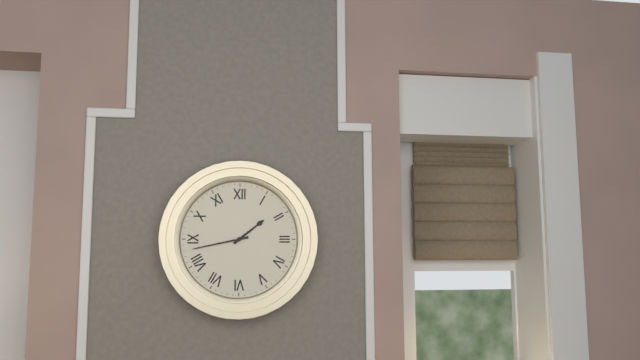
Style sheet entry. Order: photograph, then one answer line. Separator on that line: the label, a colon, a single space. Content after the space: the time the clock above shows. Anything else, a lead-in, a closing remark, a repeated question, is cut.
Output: 1:43
